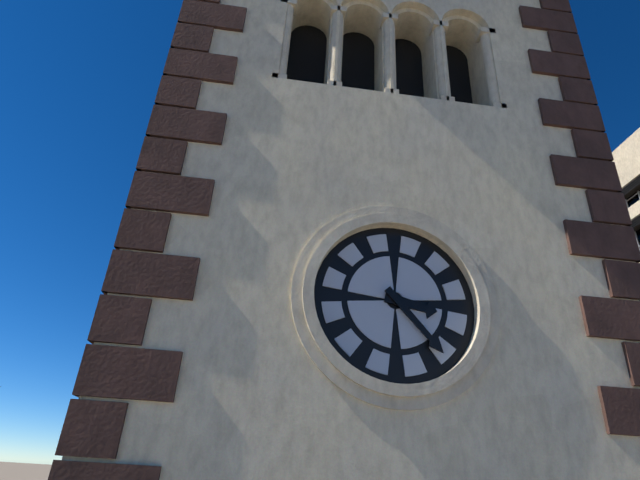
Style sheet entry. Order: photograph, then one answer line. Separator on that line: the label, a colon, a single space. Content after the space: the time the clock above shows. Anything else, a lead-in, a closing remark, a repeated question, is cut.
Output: 3:23
